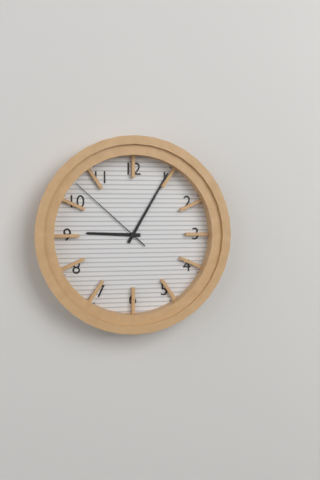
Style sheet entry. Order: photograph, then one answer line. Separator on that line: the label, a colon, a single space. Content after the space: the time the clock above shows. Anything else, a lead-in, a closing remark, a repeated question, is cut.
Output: 9:05:52
